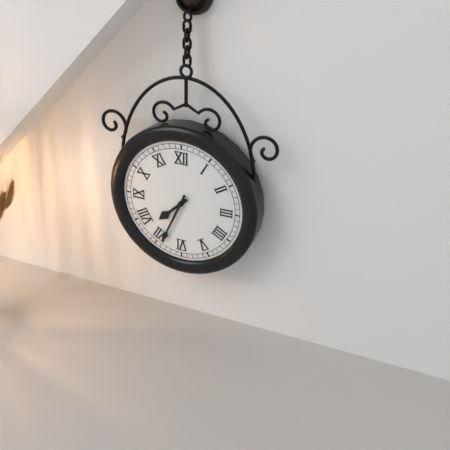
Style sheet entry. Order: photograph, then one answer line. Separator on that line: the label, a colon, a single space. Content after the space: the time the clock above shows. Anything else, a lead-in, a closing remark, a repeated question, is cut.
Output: 7:34
